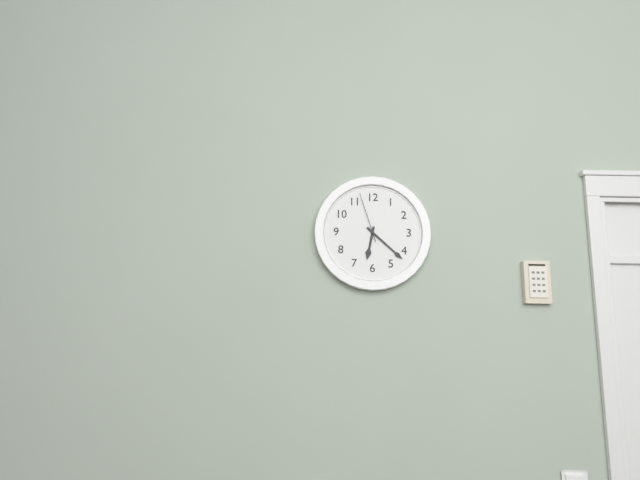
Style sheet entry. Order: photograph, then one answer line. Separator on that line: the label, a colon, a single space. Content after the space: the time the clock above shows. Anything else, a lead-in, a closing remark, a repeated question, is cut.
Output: 6:22:57
